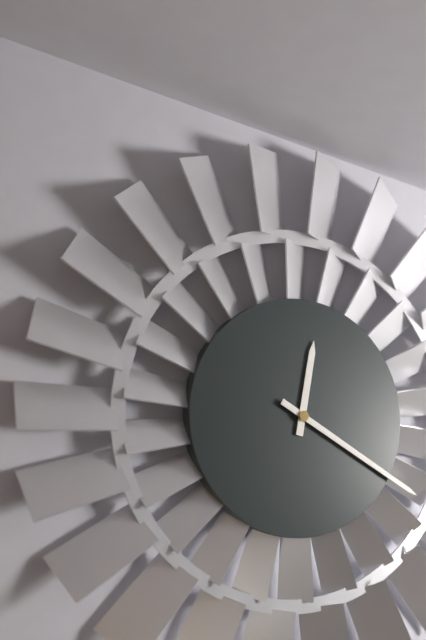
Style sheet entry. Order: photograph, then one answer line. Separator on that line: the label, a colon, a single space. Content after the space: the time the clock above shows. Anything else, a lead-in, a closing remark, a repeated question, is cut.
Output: 12:20
